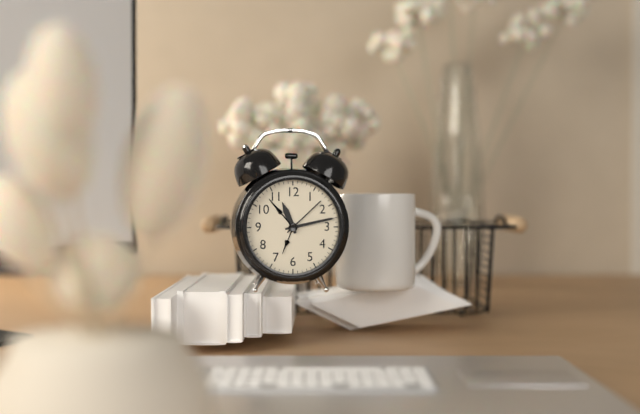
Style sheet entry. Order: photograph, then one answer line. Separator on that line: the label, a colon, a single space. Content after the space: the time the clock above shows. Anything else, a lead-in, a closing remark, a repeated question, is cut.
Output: 11:13
